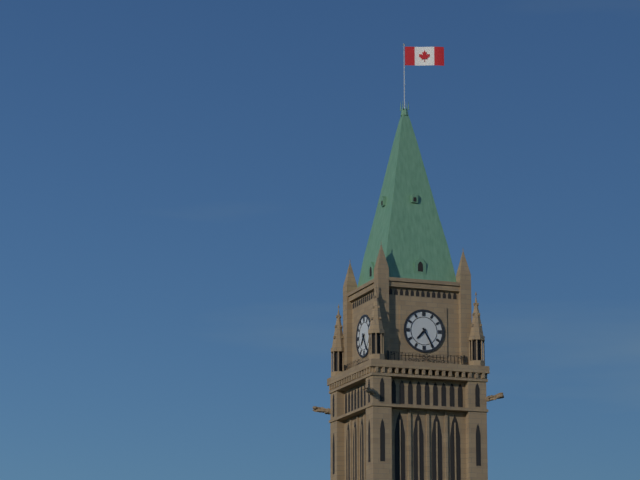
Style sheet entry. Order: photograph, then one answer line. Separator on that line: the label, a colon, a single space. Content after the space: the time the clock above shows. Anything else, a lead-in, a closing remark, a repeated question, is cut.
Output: 7:25
